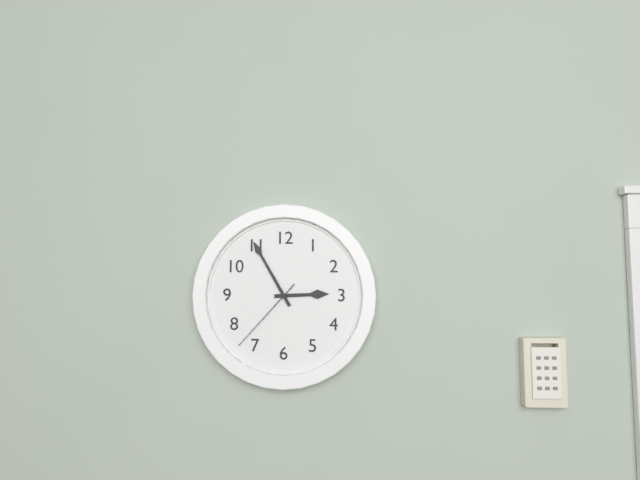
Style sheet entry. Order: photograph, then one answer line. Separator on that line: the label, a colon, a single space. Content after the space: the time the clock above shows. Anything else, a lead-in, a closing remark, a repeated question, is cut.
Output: 2:55:37
